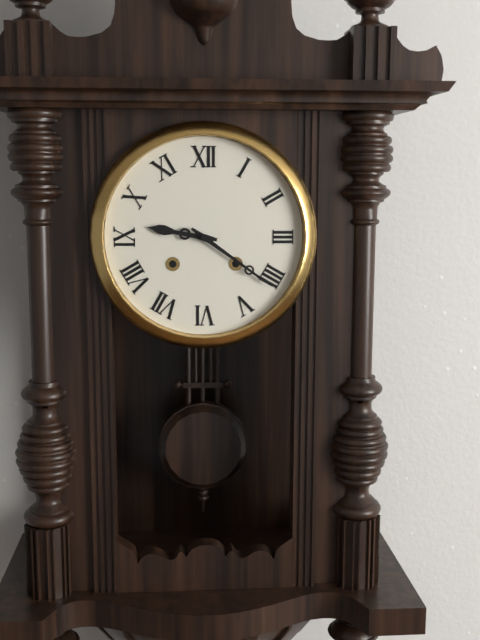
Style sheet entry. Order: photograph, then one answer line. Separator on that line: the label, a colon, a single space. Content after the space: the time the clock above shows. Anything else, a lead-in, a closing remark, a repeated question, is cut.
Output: 9:21
